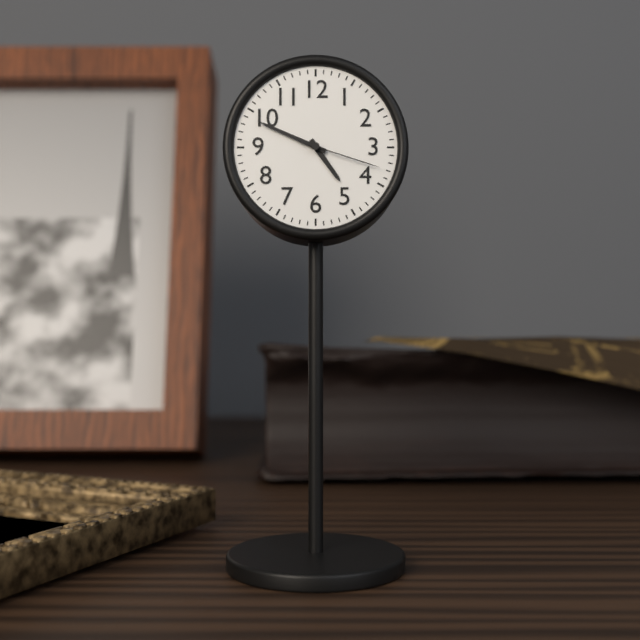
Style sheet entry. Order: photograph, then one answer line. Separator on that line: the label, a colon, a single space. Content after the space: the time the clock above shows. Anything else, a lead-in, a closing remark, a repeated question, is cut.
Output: 4:49:18
